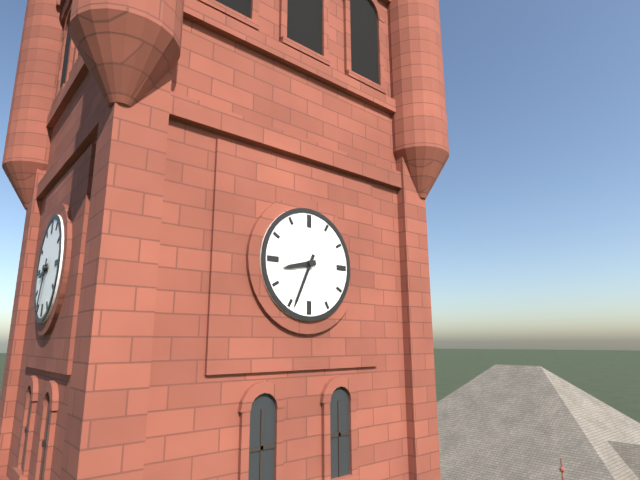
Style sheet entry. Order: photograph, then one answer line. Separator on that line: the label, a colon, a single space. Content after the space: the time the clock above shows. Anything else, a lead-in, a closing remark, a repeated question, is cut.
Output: 8:34
